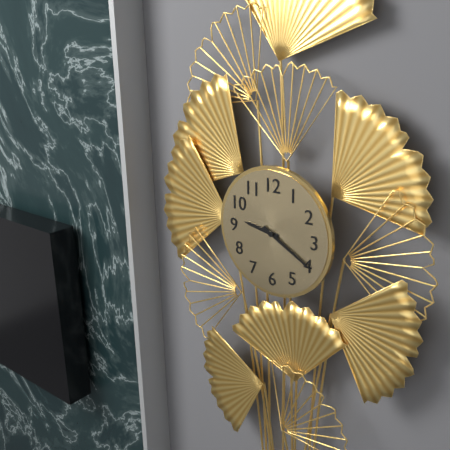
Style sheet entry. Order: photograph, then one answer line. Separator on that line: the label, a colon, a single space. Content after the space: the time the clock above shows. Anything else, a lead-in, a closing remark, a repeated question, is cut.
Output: 9:20
